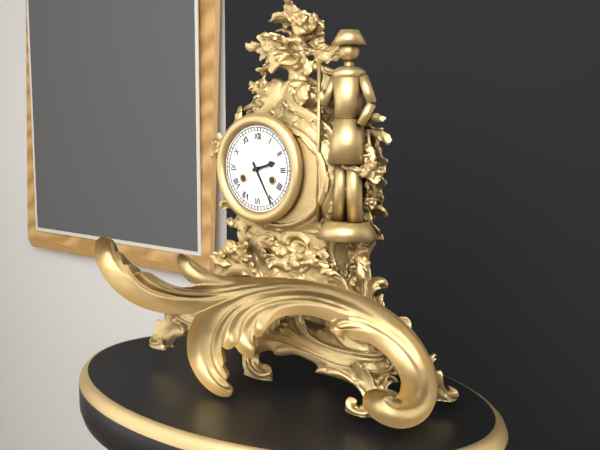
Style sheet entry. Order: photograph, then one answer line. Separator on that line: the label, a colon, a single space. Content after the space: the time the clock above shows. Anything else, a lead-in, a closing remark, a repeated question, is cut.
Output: 2:25
